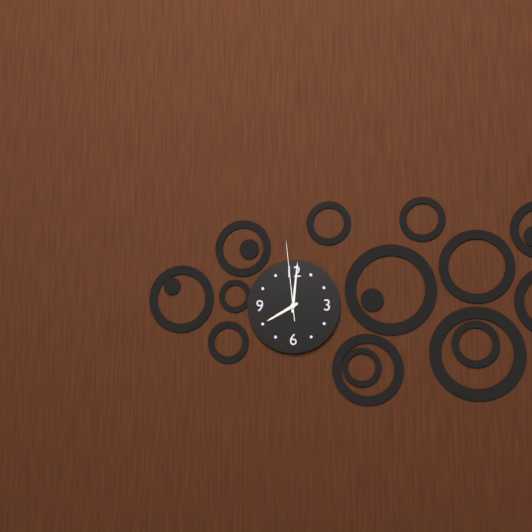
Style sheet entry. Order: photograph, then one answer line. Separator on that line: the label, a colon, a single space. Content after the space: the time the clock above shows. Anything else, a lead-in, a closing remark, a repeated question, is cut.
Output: 8:01:59
